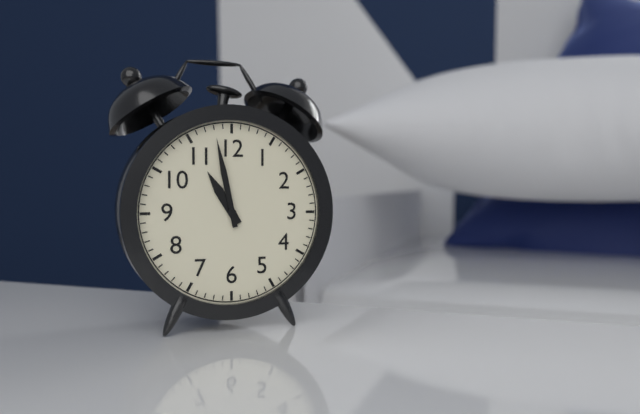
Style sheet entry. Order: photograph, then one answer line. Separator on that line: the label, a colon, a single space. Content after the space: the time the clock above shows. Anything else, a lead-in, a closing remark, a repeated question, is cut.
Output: 10:58
